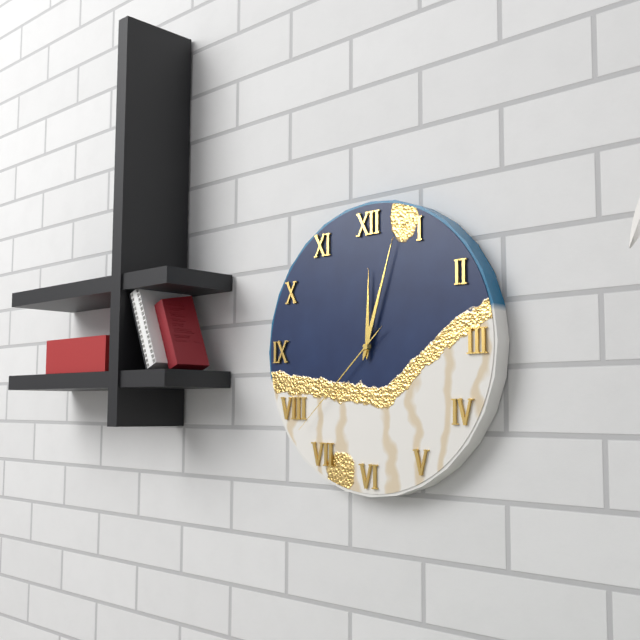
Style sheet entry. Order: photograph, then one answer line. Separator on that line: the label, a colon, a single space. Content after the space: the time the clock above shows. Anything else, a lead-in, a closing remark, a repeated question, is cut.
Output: 12:03:38
